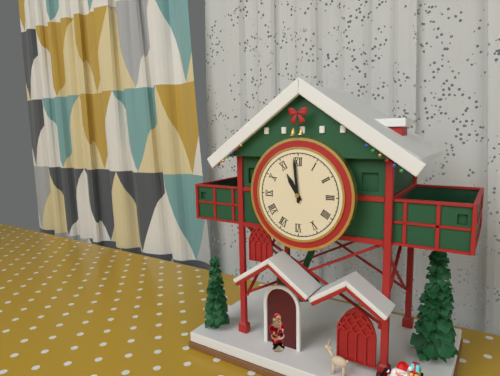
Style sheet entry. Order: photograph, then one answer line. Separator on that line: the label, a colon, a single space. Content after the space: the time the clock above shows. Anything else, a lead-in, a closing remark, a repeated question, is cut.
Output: 10:59
